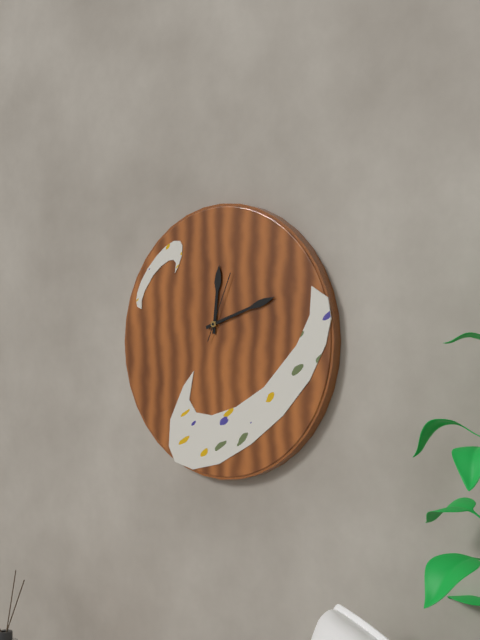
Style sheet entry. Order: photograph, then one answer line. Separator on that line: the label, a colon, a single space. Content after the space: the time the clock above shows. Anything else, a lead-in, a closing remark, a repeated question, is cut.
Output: 12:12:04
